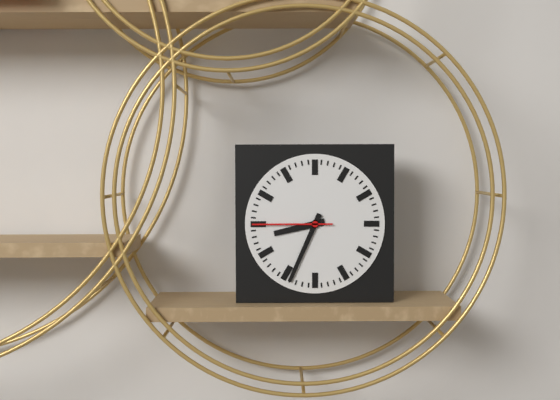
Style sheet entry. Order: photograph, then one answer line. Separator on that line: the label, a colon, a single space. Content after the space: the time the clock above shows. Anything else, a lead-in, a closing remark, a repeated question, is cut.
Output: 8:34:45
